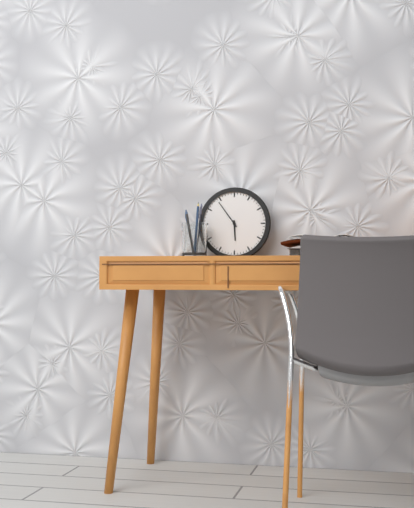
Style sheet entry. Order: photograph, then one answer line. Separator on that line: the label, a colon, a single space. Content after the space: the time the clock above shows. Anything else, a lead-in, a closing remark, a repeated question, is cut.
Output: 5:54
